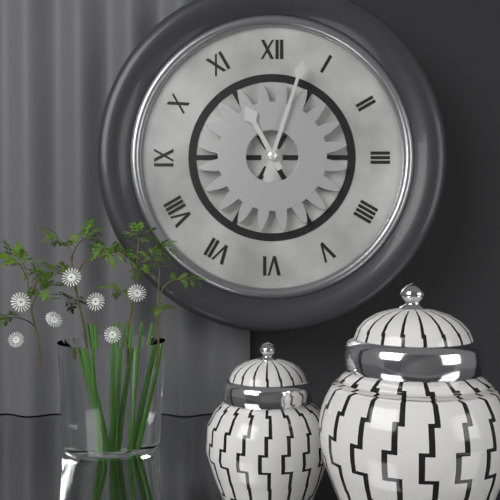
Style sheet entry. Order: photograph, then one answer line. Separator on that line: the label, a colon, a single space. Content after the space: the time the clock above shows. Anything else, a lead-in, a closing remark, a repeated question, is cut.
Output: 11:03
